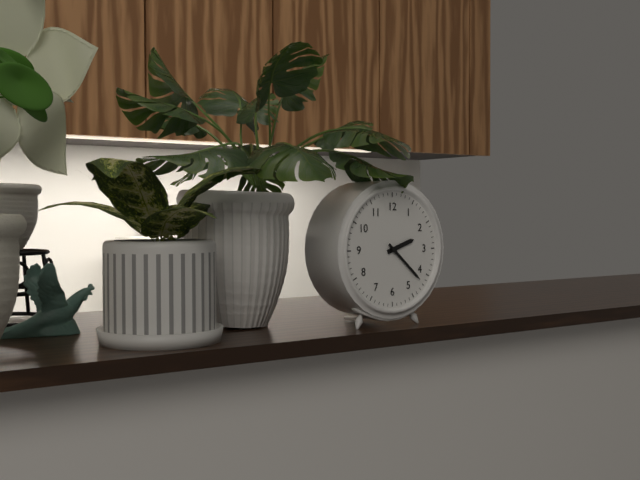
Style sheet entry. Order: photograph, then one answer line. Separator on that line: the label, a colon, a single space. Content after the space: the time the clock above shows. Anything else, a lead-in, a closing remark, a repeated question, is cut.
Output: 2:22
